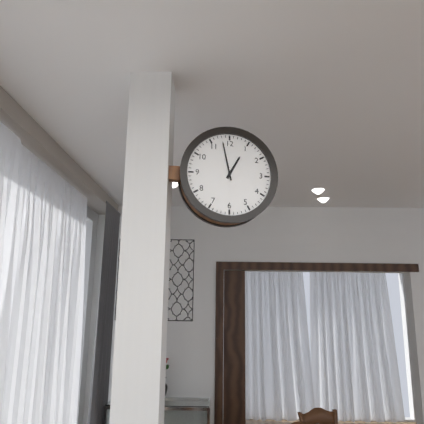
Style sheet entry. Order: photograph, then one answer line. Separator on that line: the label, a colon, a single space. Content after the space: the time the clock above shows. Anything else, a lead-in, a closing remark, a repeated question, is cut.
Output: 12:58
